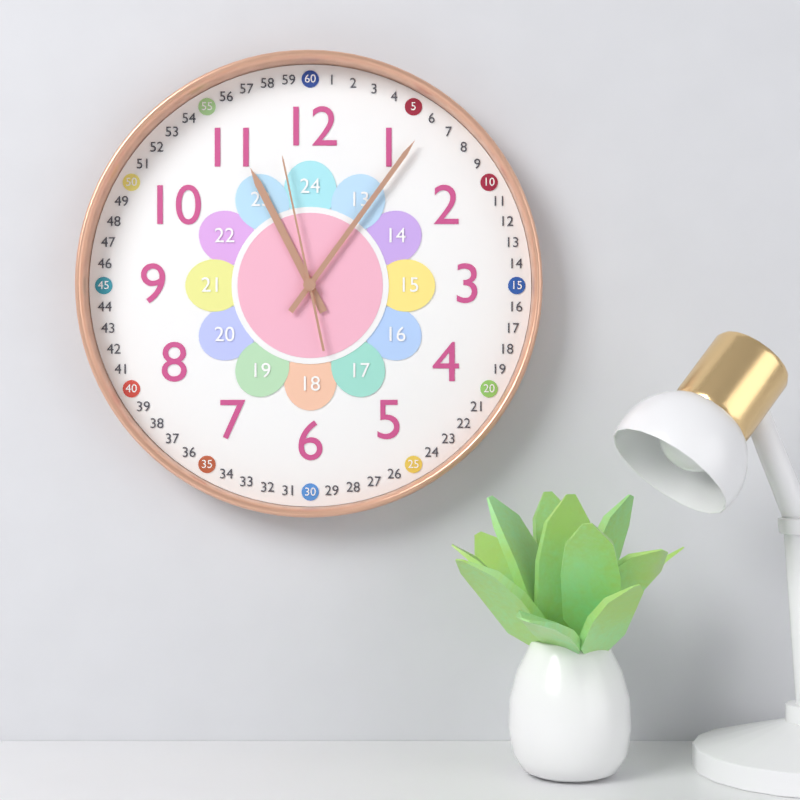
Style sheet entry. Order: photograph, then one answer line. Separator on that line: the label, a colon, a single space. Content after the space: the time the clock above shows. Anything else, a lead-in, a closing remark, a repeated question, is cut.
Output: 11:06:58
